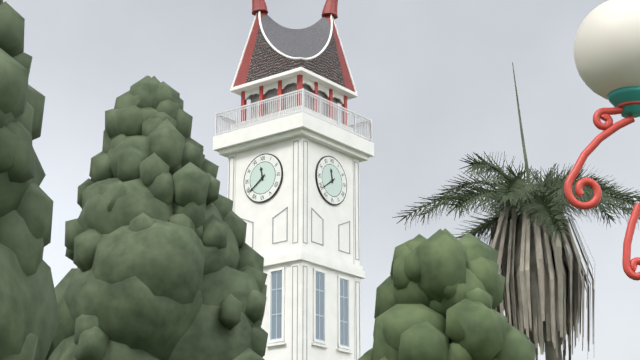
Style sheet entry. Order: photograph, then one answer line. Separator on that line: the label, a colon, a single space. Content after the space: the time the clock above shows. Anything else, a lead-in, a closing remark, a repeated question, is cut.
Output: 11:39
